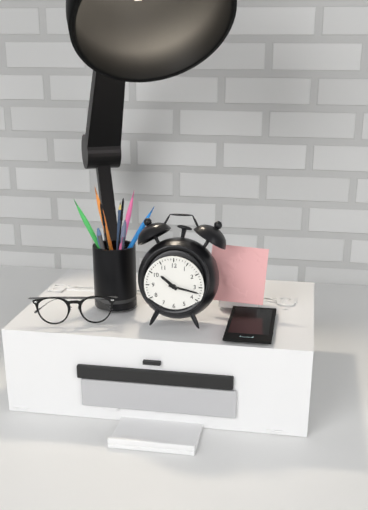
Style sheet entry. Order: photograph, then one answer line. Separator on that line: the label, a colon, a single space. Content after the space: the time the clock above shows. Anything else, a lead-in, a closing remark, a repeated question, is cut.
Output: 10:17
